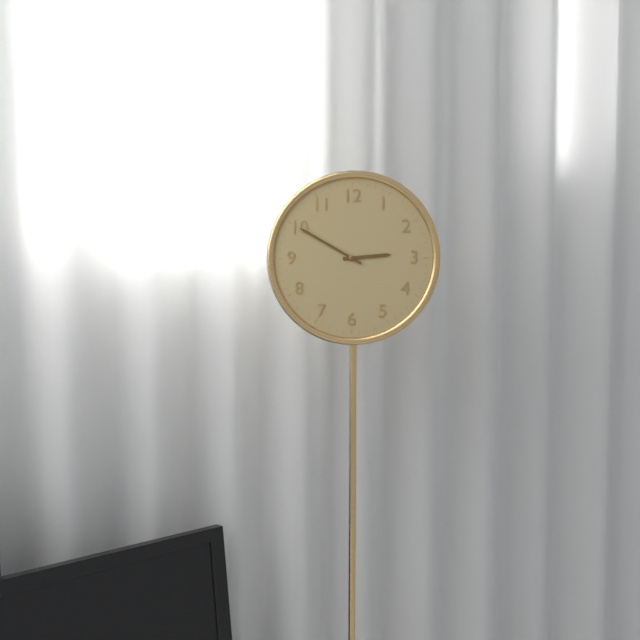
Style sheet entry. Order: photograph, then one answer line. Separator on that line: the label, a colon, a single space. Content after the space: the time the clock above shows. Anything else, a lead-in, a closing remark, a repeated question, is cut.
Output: 2:50
